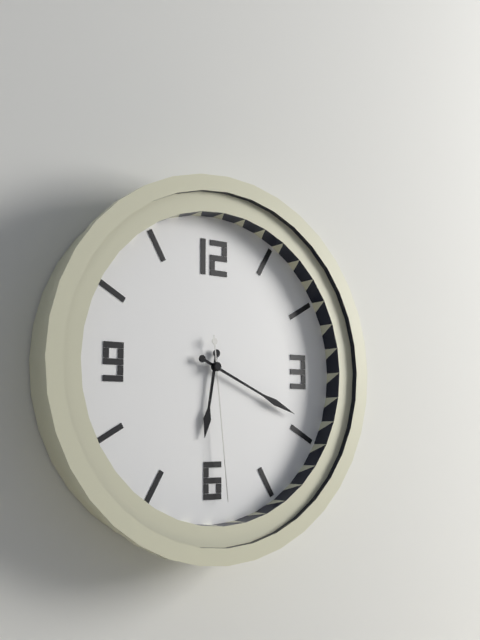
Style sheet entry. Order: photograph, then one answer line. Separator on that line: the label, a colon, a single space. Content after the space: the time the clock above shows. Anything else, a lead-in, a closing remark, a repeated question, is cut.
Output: 6:19:29
